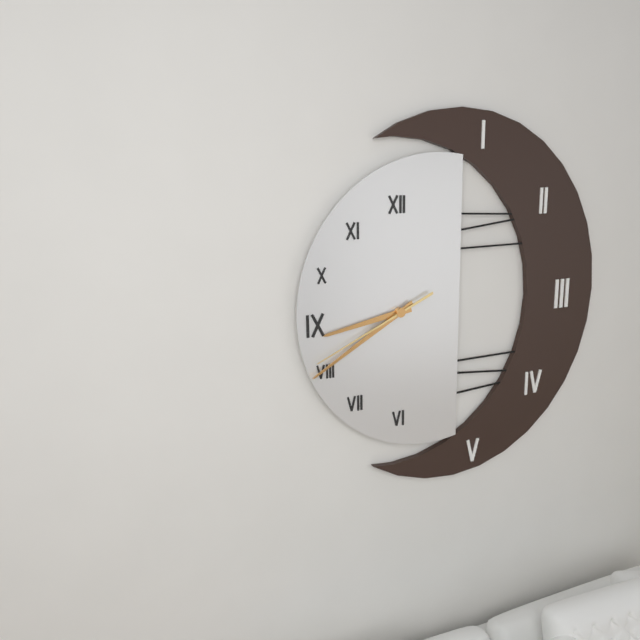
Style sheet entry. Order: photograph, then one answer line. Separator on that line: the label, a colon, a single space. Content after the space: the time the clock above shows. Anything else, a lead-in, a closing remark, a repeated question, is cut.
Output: 8:40:41
